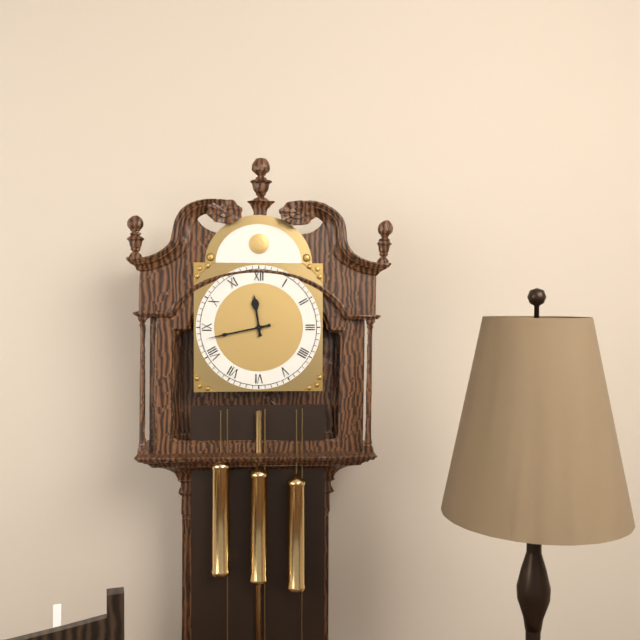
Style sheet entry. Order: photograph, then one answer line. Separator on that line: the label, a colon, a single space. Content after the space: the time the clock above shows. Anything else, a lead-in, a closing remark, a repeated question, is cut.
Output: 11:43
